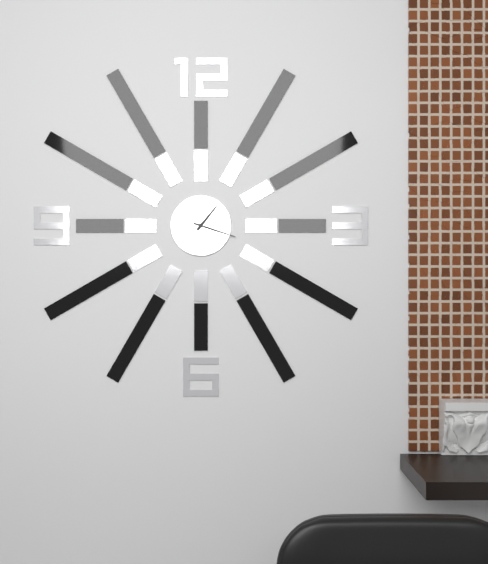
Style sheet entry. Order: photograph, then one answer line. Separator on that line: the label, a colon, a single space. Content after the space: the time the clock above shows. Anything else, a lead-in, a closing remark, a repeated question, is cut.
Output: 1:18
